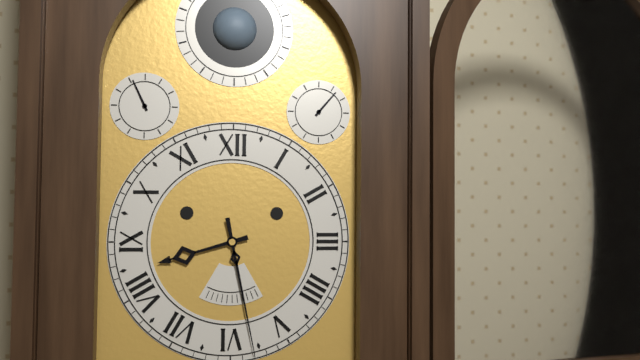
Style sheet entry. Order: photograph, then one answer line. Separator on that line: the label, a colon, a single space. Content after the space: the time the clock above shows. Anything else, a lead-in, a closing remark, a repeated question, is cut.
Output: 8:28
